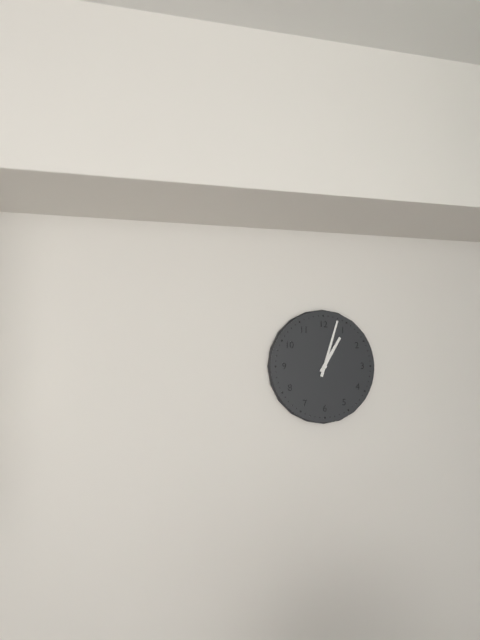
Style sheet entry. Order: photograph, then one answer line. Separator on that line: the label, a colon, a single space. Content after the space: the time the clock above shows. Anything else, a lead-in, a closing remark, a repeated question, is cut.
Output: 1:03
